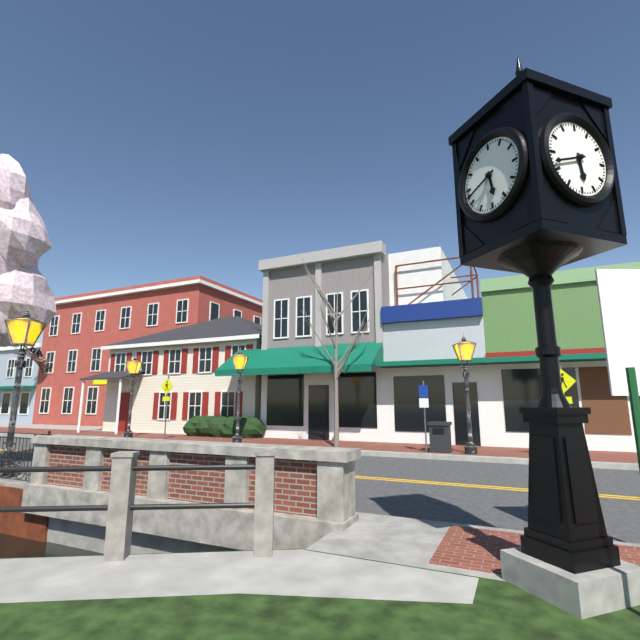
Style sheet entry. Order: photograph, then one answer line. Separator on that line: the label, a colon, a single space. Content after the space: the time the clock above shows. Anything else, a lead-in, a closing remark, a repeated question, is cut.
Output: 5:42
